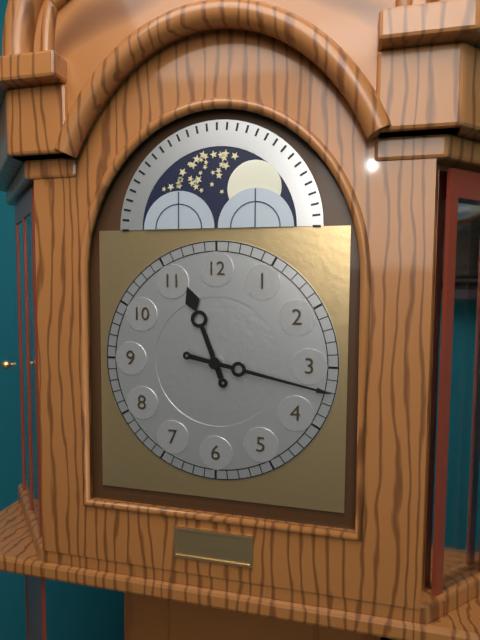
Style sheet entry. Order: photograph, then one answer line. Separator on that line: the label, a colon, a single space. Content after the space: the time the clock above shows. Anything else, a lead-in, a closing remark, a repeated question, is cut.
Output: 11:17
